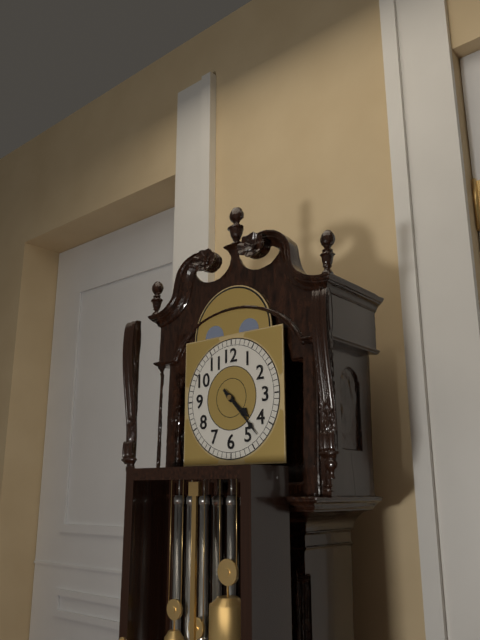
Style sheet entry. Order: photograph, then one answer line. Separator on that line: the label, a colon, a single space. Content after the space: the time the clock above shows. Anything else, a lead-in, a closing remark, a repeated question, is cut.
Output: 4:23
